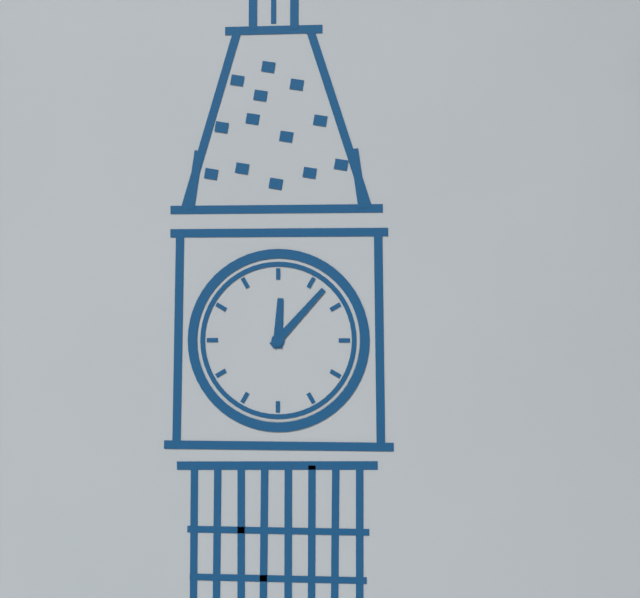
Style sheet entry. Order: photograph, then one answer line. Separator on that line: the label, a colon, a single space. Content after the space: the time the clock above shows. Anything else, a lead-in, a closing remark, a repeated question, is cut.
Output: 12:07
